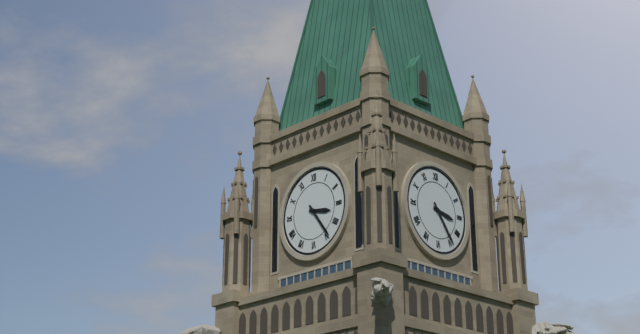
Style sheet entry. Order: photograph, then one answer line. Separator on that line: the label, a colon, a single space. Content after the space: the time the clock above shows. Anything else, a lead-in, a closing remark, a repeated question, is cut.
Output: 3:24
